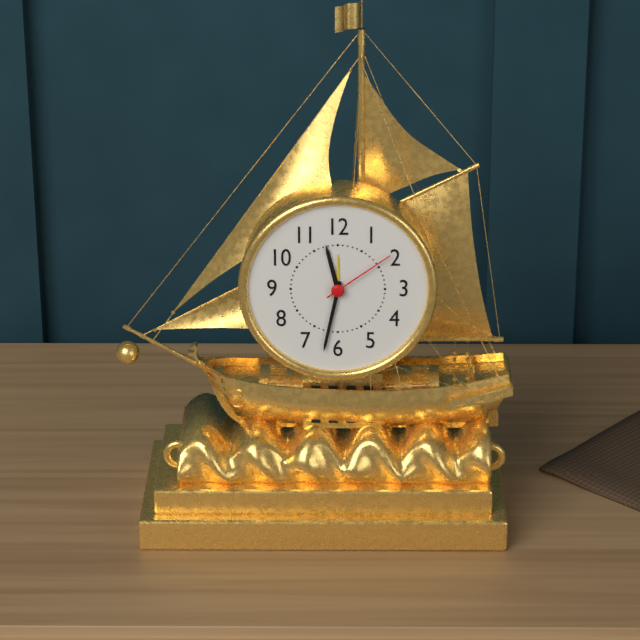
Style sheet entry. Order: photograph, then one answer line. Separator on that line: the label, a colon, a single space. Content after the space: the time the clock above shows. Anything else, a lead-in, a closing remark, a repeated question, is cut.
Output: 11:32:09
